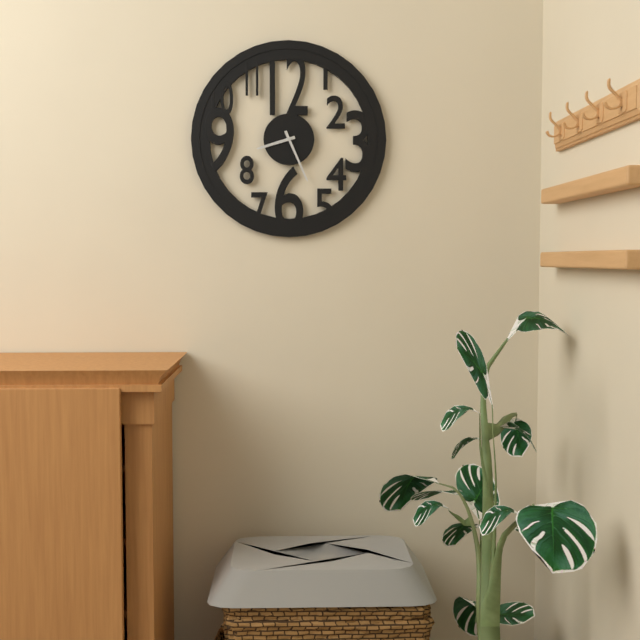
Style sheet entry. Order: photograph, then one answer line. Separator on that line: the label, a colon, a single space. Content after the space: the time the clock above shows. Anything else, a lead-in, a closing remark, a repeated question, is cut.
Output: 8:26
